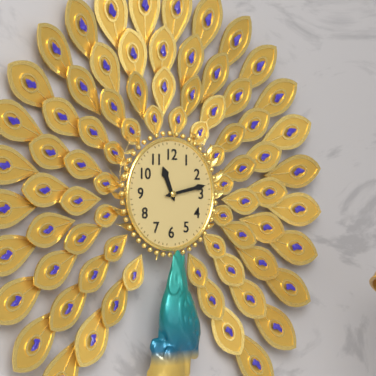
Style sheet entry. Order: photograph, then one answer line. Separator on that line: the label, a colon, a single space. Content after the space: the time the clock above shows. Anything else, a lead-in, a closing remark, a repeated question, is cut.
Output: 11:13
